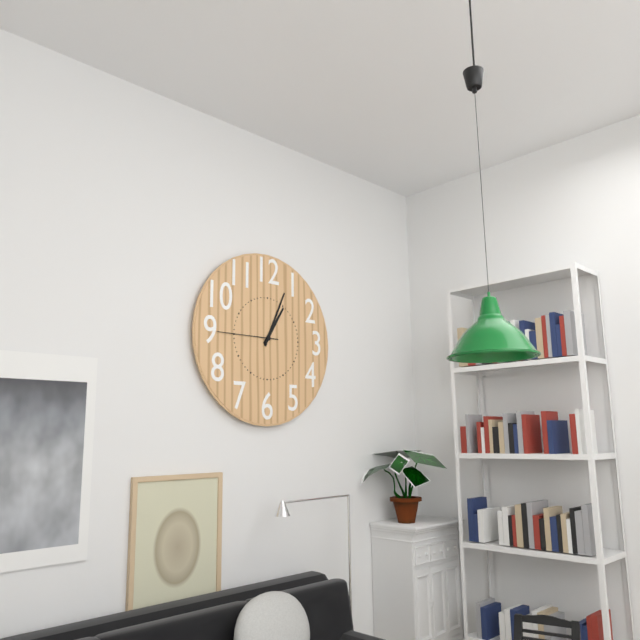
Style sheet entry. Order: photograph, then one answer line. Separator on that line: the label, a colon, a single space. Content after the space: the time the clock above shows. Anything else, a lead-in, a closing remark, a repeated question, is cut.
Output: 1:04:45
